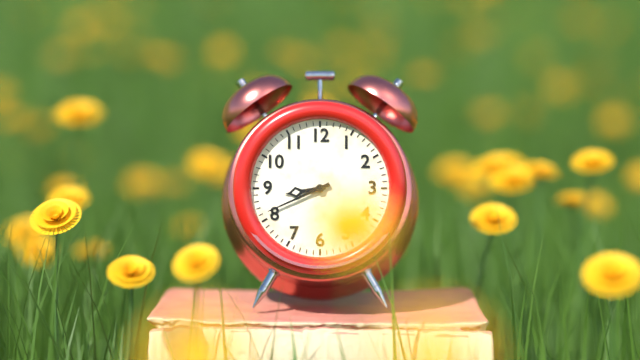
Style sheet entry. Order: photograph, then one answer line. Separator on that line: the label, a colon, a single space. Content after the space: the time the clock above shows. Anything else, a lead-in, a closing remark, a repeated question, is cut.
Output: 8:41
